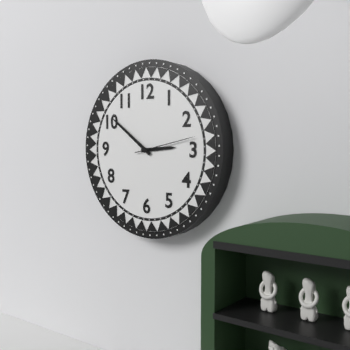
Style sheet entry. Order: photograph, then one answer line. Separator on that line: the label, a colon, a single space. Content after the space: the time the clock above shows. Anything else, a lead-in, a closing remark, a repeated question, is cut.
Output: 2:51:13
